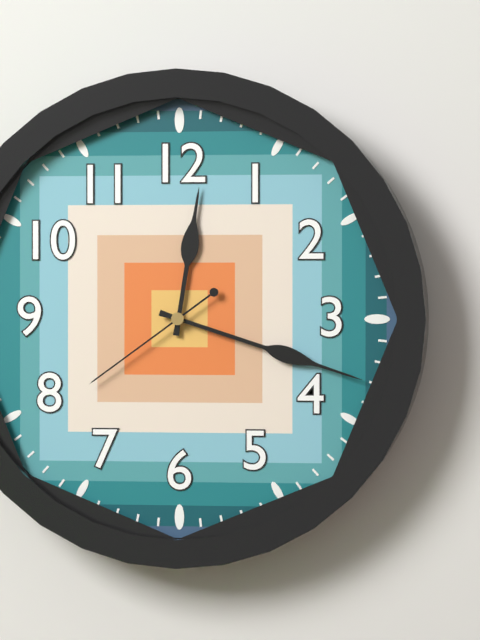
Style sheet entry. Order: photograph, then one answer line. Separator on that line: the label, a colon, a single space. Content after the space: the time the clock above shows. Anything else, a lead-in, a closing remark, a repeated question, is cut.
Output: 12:18:39
